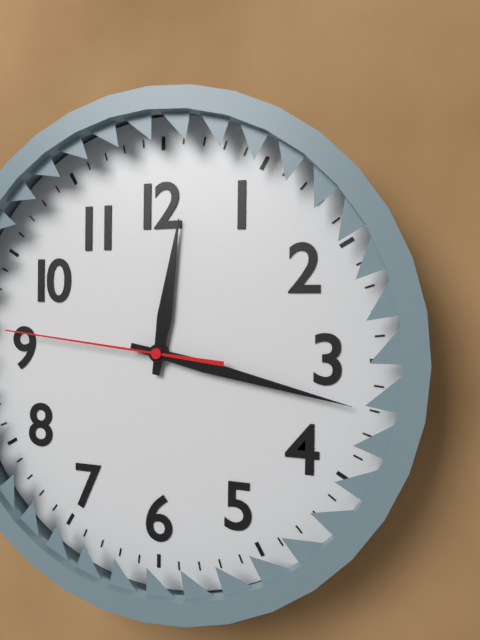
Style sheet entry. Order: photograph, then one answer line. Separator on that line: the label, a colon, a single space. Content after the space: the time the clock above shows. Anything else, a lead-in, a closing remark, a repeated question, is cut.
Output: 12:17:46
